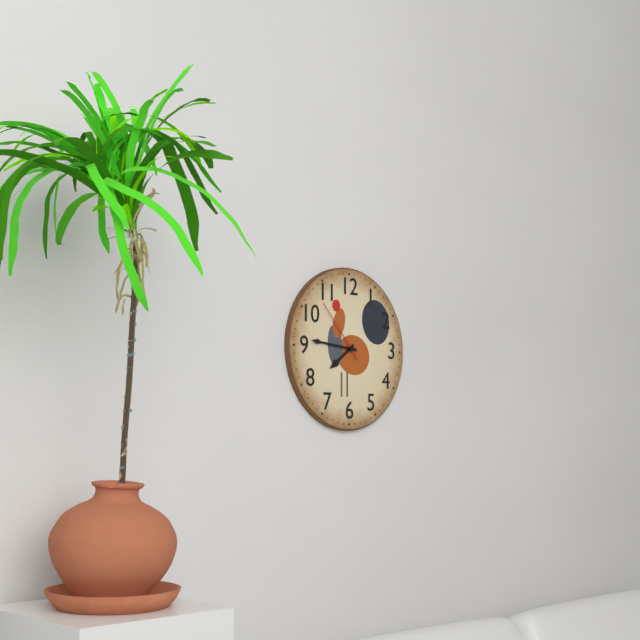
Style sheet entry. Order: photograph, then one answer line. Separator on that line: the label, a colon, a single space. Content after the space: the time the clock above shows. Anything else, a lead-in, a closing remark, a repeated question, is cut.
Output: 7:46:53
